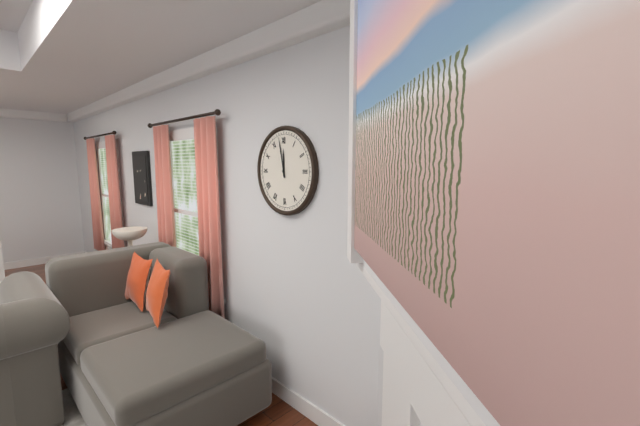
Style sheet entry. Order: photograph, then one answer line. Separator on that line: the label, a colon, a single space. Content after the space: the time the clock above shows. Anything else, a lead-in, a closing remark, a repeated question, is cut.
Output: 11:58
